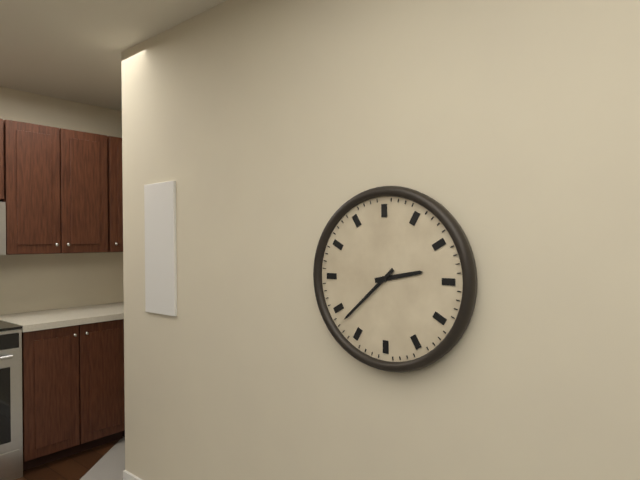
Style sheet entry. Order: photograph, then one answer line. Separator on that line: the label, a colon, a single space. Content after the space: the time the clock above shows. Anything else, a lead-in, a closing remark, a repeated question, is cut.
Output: 2:38
